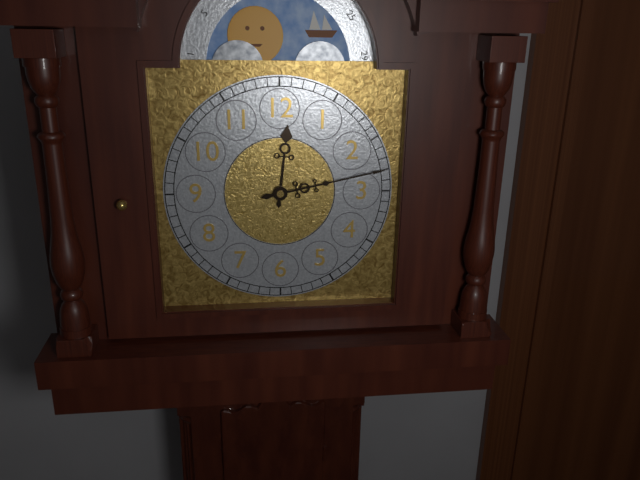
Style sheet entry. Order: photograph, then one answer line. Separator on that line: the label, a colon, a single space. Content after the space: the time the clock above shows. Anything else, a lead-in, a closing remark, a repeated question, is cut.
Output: 12:13
